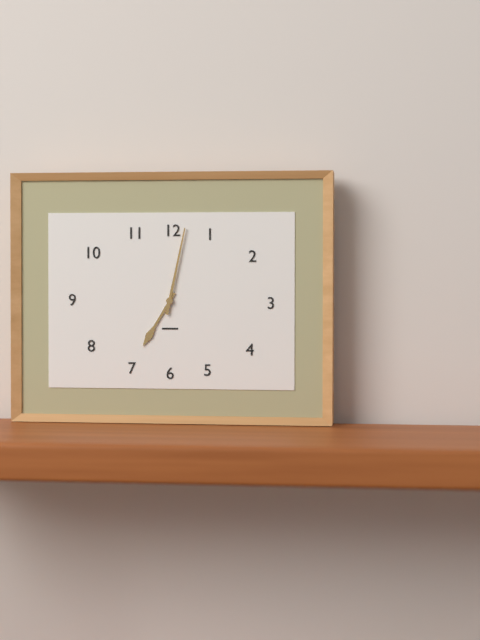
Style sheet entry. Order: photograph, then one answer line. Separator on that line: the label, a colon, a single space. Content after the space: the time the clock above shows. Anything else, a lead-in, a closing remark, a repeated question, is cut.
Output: 7:02
